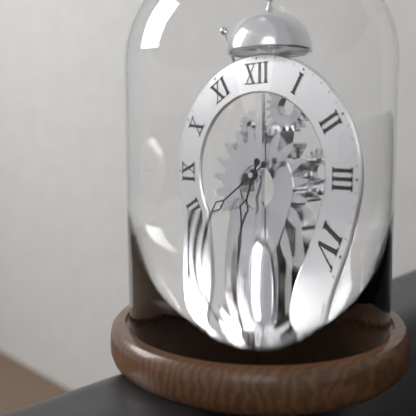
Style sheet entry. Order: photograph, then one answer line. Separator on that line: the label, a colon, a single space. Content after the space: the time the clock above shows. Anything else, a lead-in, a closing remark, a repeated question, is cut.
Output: 6:39
